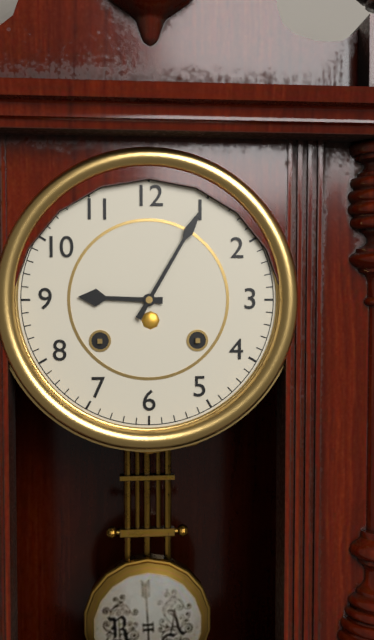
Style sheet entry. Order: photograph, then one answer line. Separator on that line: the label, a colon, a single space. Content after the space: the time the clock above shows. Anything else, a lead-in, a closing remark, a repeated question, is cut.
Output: 9:05
